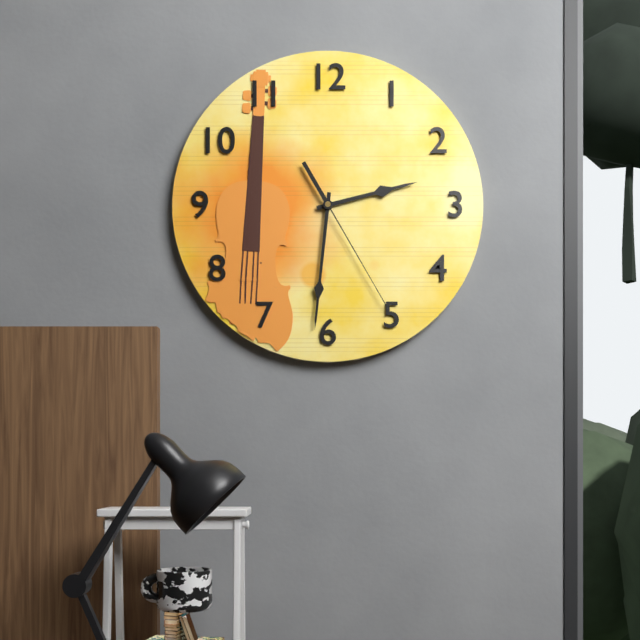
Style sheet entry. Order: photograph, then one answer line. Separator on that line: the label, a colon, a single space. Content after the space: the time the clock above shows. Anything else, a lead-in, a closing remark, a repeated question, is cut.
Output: 2:31:25
